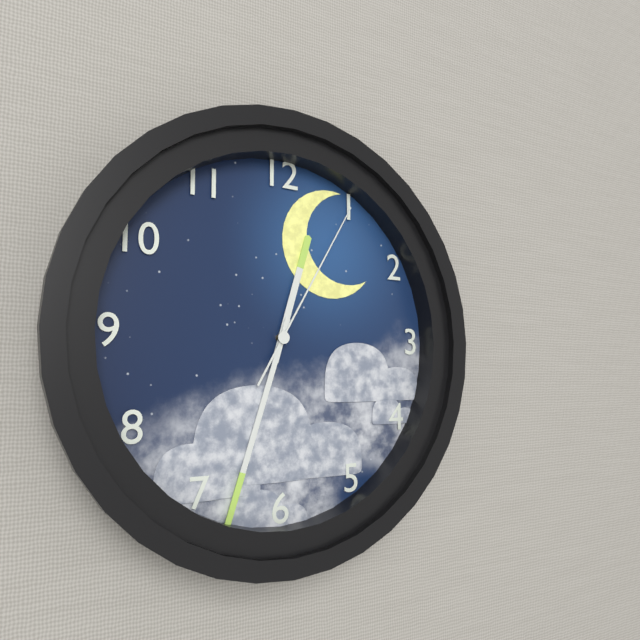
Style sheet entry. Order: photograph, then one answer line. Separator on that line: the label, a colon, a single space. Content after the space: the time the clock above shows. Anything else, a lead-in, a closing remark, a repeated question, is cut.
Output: 12:33:05
